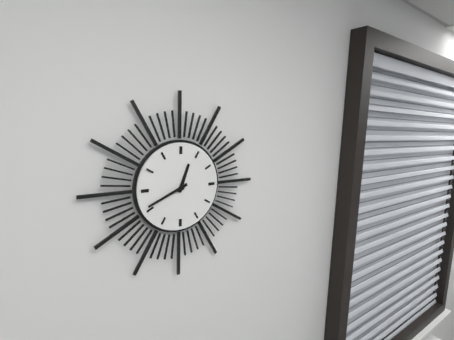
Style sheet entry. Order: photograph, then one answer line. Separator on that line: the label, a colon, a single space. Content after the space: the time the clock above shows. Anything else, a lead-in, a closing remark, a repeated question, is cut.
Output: 12:41
